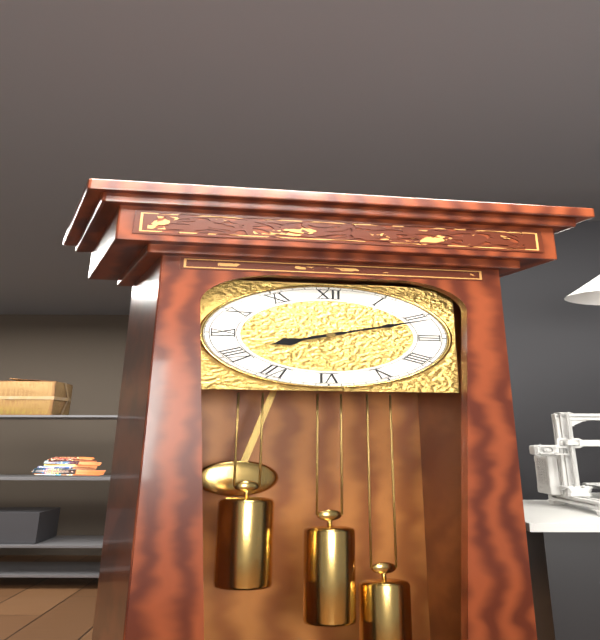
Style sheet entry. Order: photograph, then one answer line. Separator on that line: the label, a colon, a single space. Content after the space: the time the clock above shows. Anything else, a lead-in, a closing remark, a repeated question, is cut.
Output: 8:11
